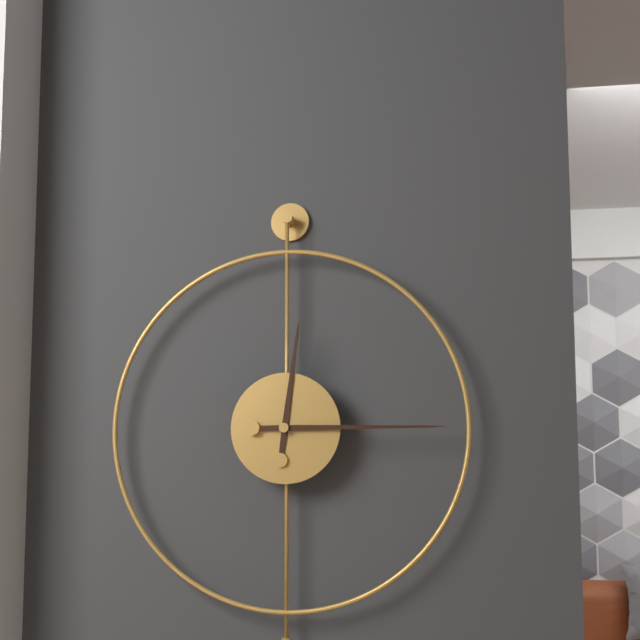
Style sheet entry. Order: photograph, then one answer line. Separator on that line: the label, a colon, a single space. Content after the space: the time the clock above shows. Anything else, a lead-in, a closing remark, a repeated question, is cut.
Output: 12:15
